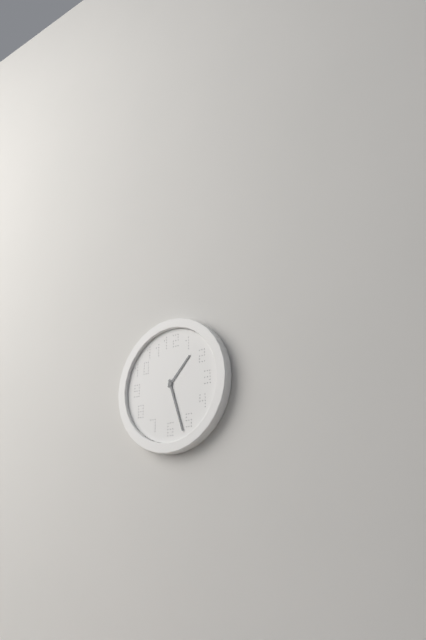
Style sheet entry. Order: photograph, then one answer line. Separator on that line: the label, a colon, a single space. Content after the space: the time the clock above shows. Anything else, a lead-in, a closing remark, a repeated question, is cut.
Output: 1:27
